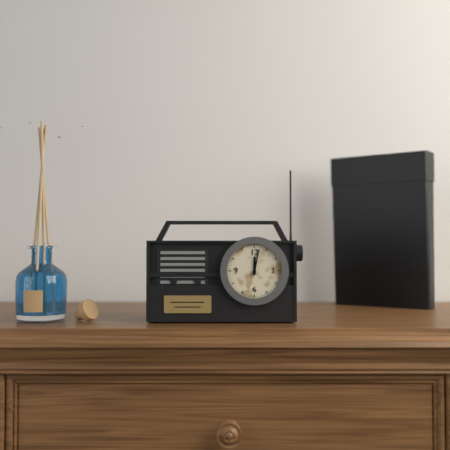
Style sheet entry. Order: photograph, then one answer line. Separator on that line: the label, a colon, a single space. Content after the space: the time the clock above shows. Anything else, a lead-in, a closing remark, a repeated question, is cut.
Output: 12:02
